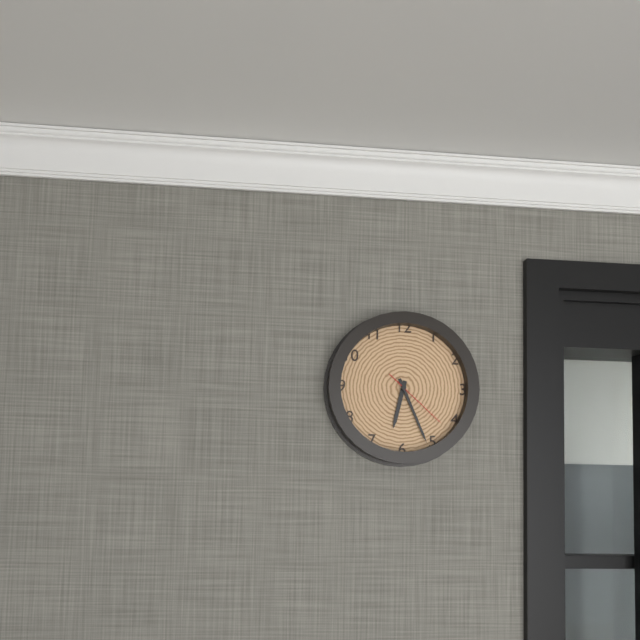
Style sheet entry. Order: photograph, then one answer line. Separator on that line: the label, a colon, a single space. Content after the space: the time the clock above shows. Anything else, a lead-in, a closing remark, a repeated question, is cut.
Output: 6:26:22
